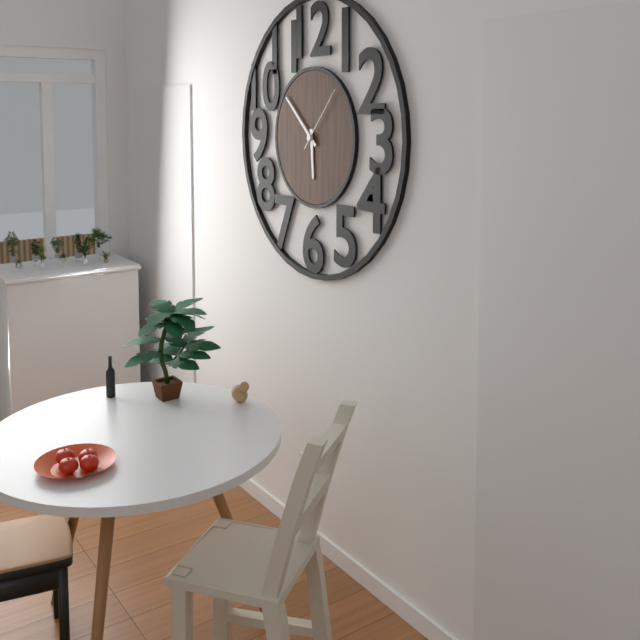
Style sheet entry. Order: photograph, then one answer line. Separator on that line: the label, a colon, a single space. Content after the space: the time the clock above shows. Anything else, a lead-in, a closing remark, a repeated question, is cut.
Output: 5:52:07
